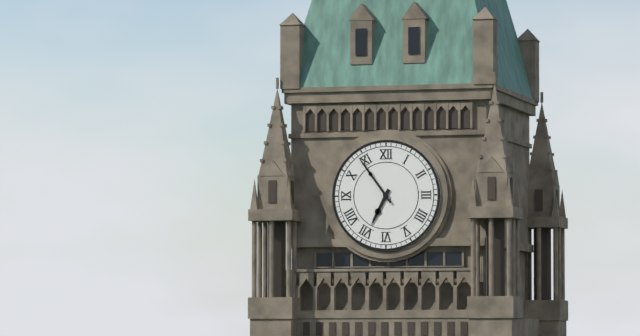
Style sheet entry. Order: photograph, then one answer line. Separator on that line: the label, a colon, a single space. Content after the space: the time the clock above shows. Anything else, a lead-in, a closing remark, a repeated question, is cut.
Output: 6:54
